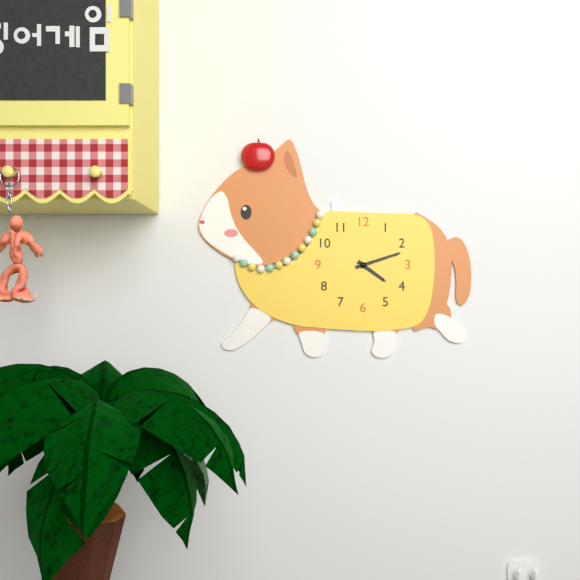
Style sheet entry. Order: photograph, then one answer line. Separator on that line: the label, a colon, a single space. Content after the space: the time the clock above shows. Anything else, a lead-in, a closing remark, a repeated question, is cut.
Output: 4:12
